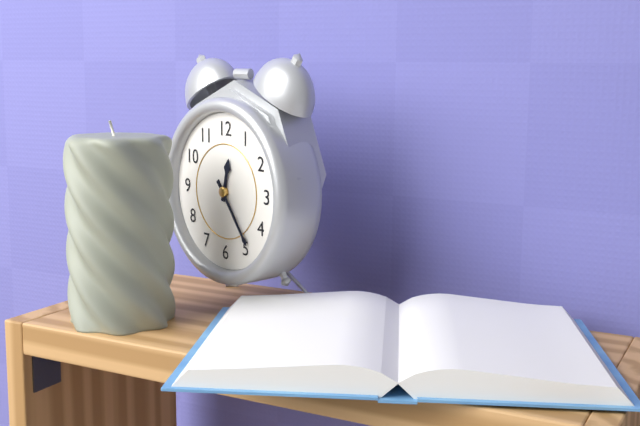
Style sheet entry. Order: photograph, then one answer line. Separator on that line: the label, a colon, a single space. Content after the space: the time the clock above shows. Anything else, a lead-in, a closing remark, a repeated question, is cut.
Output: 12:24
